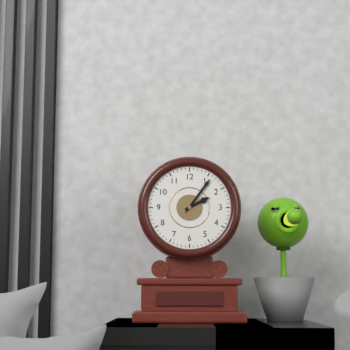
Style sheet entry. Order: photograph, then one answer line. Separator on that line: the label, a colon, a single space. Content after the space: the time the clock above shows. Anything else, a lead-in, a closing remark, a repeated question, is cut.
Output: 2:06
